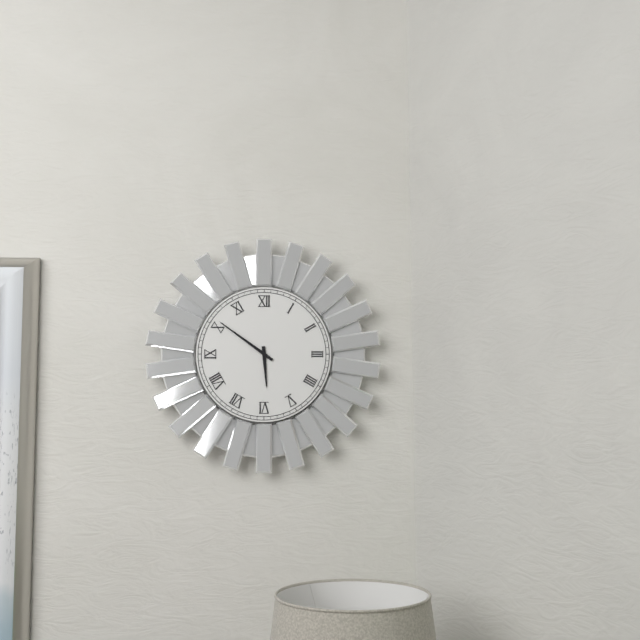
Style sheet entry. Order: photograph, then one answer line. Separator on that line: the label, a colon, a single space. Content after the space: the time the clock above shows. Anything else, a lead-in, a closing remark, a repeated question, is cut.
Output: 5:51
